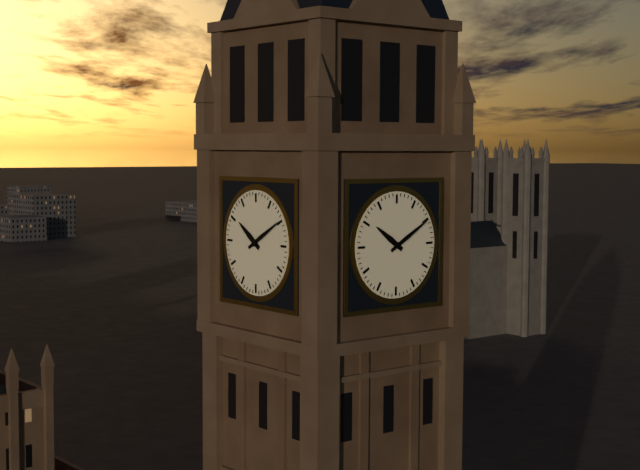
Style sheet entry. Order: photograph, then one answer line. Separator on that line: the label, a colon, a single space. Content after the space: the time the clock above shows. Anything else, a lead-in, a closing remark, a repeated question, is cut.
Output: 10:10
